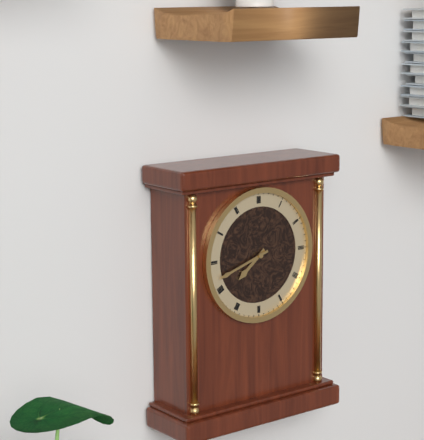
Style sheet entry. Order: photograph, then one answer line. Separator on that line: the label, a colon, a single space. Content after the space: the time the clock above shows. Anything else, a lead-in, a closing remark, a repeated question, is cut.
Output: 7:42
